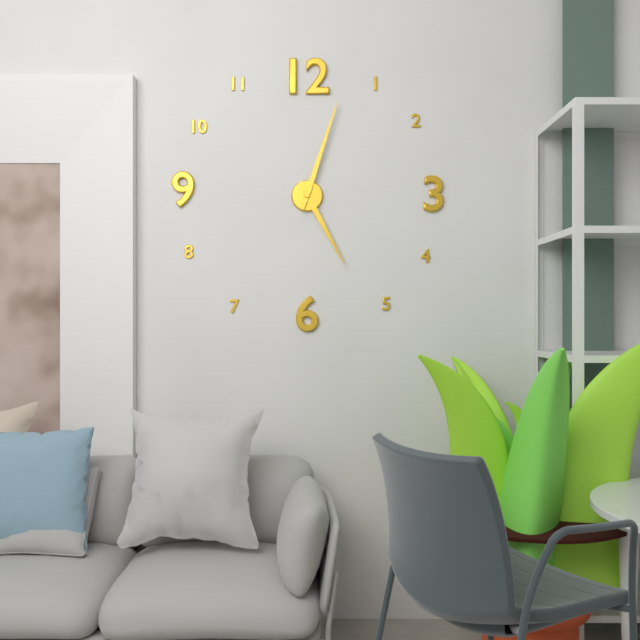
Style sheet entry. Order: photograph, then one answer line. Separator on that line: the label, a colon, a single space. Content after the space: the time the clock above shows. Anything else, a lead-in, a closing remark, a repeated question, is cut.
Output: 5:03
